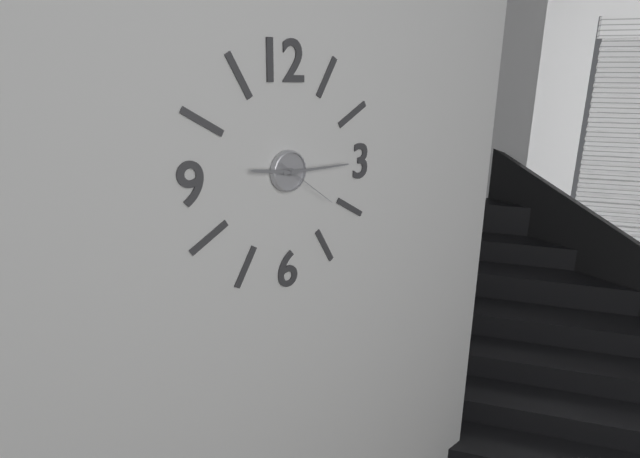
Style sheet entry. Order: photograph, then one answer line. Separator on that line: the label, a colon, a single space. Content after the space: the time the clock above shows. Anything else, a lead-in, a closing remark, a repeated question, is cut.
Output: 9:15:21
